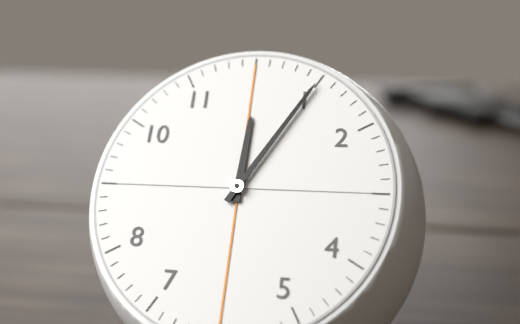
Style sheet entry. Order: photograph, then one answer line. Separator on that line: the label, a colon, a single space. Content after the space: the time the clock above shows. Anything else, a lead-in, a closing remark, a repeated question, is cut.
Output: 12:05
